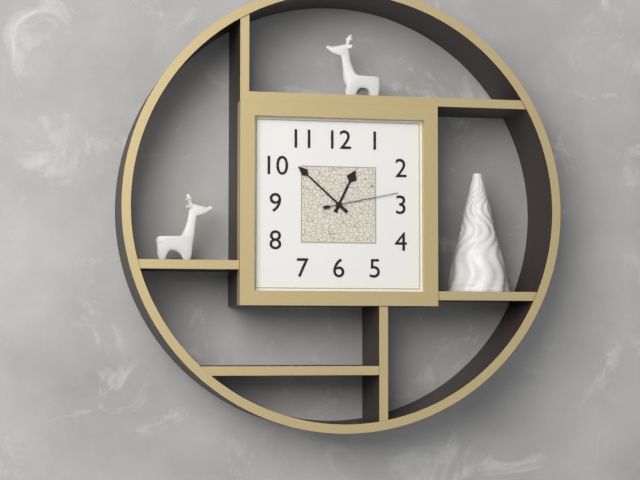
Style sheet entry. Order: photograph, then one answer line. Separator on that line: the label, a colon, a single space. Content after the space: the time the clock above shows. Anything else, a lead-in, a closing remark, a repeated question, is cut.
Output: 12:52:13
